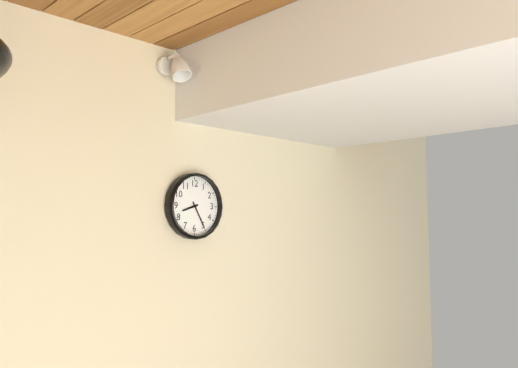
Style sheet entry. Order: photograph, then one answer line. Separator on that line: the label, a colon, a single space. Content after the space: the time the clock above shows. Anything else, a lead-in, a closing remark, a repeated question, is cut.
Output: 8:25
